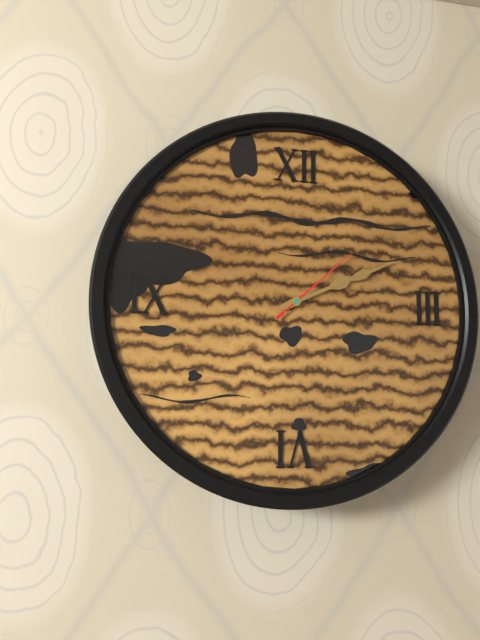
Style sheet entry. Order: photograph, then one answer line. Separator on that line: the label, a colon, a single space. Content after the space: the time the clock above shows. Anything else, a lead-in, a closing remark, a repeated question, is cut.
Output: 2:11:08
